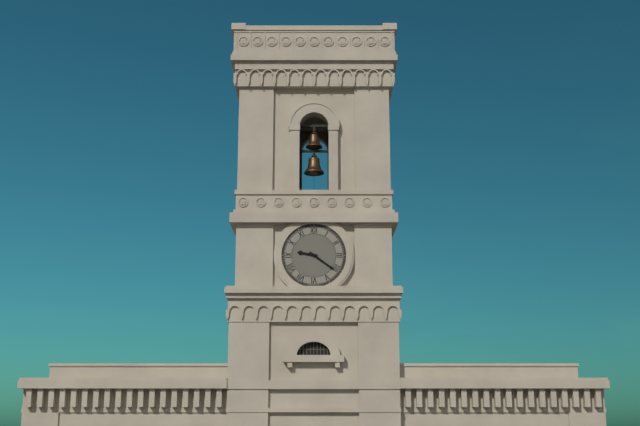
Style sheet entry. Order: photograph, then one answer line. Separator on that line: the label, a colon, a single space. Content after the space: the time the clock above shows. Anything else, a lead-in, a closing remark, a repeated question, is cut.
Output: 9:21
